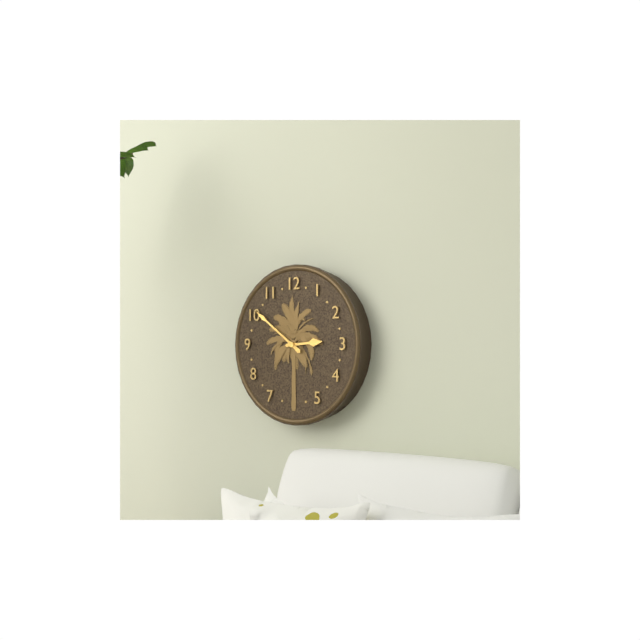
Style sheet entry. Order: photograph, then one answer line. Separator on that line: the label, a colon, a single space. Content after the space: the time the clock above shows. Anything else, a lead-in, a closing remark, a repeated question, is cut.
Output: 2:51
